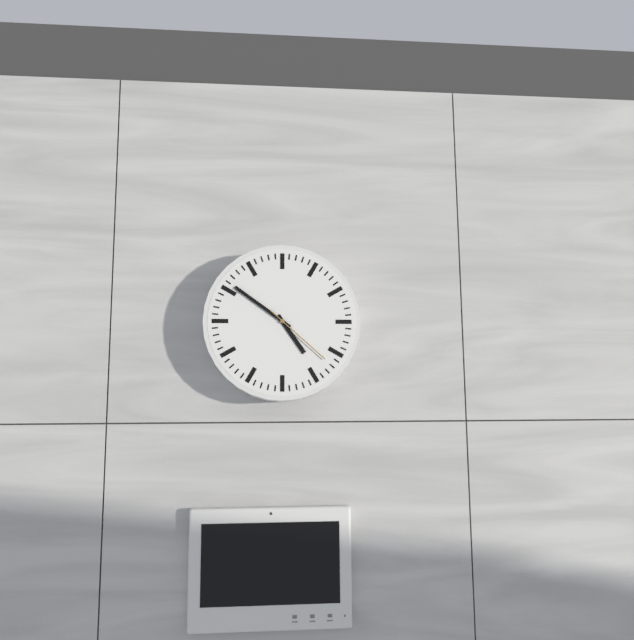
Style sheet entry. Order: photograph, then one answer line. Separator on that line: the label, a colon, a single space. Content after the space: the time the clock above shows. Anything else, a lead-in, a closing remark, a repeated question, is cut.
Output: 4:51:22
